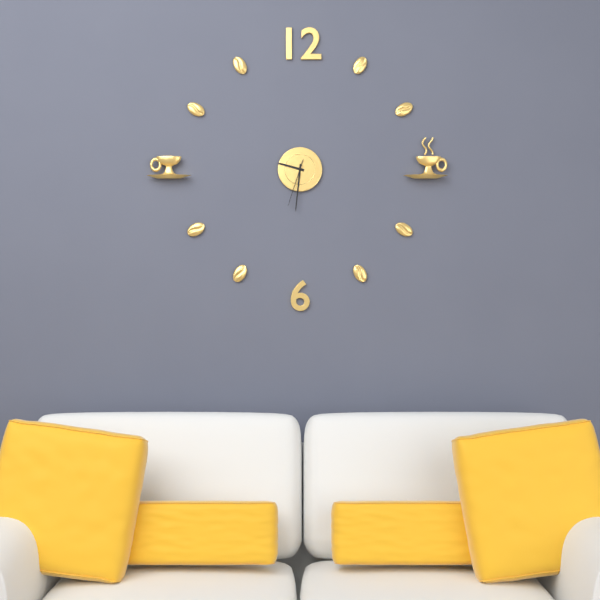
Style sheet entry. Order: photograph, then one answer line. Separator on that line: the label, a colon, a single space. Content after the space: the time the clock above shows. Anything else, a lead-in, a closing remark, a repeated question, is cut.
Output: 9:31
